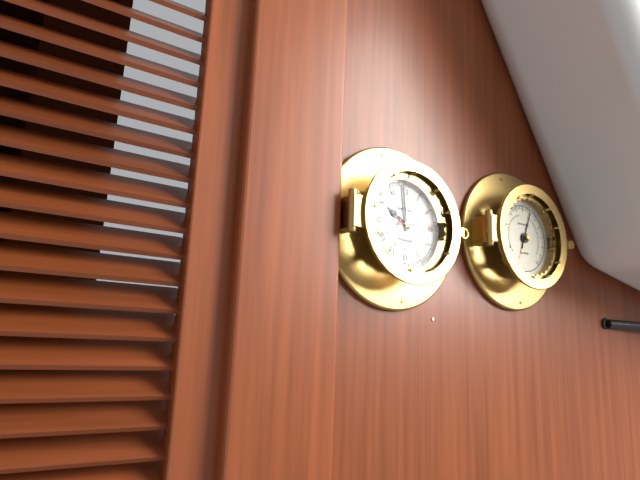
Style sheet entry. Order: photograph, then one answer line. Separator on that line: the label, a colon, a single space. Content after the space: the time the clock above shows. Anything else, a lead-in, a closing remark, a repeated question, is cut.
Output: 9:59
